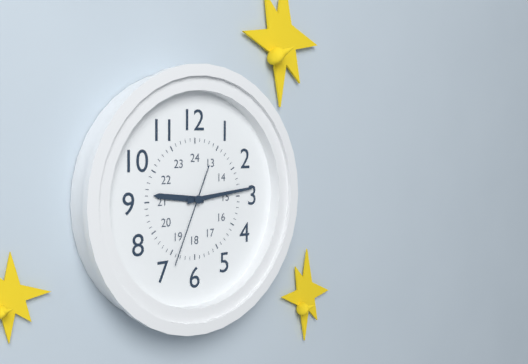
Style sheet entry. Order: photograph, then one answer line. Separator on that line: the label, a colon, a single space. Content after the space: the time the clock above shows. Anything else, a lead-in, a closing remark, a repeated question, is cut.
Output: 9:14:34
